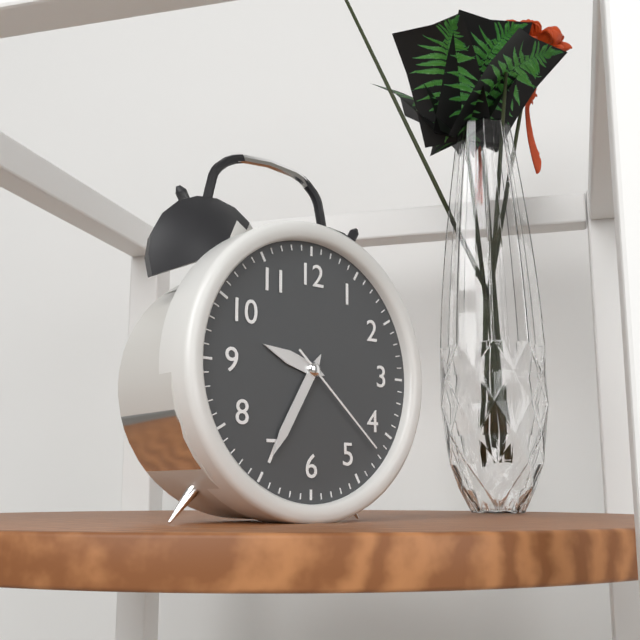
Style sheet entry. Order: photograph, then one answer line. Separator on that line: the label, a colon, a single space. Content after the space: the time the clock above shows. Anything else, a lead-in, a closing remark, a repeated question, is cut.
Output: 9:35:22
